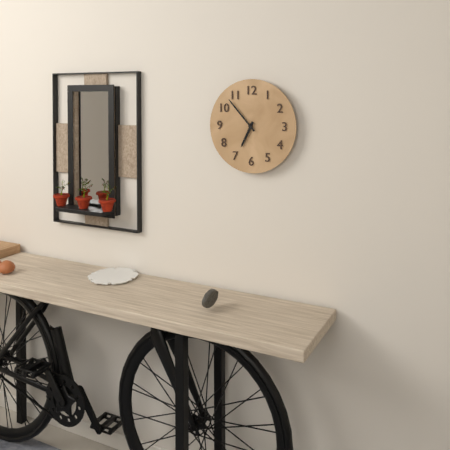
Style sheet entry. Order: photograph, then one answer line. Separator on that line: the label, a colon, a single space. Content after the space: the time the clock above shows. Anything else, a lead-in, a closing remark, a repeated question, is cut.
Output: 6:53
